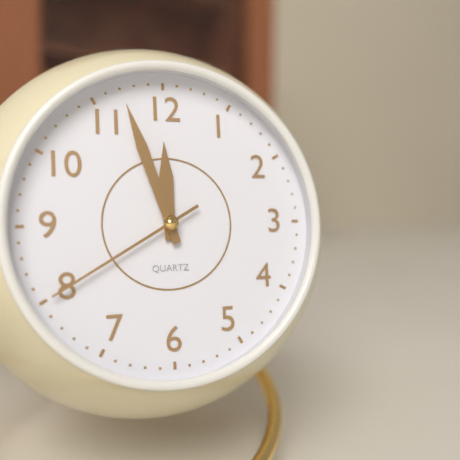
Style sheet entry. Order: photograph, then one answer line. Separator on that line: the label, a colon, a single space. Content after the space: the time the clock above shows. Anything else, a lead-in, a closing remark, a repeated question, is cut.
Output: 11:57:40
